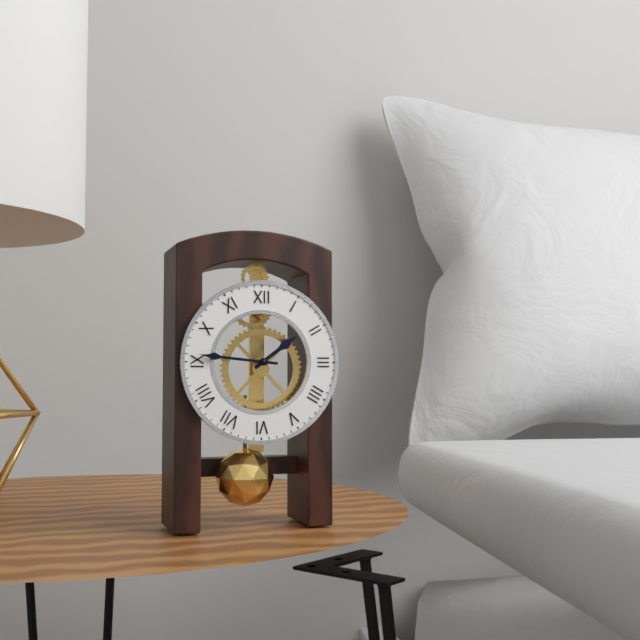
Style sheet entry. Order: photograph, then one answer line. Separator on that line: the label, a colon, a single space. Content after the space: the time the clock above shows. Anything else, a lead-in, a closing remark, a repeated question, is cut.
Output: 1:46
